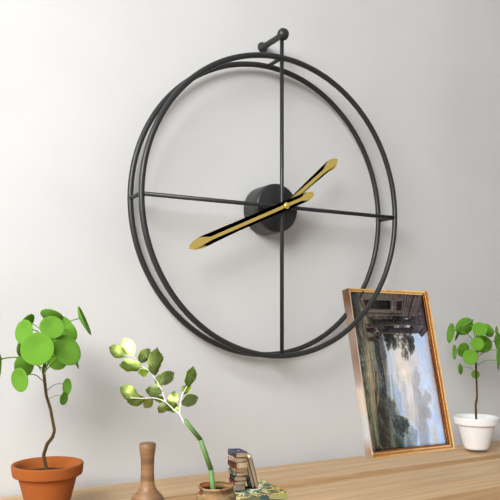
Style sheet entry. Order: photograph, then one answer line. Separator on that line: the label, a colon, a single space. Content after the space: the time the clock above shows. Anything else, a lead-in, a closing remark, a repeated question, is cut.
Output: 1:41
